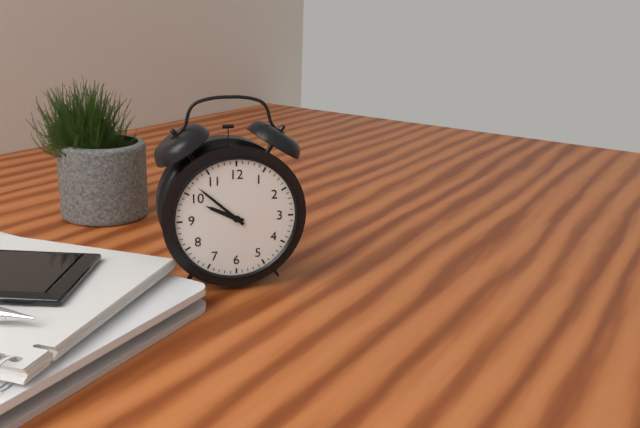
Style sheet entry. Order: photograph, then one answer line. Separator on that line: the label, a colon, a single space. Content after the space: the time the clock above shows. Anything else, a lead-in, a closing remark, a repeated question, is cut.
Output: 9:52
